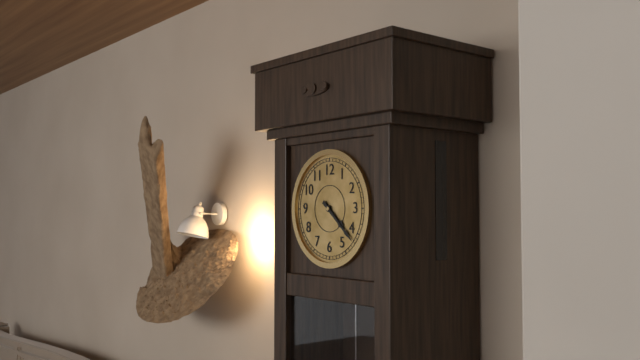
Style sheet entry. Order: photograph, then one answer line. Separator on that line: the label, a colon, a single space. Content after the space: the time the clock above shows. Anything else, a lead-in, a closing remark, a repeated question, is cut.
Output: 4:22
